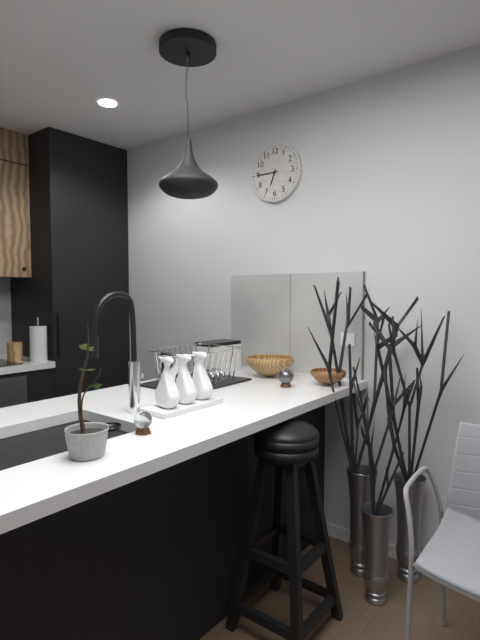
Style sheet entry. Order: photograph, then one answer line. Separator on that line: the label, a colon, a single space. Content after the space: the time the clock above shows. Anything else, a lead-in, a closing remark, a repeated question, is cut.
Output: 6:45
